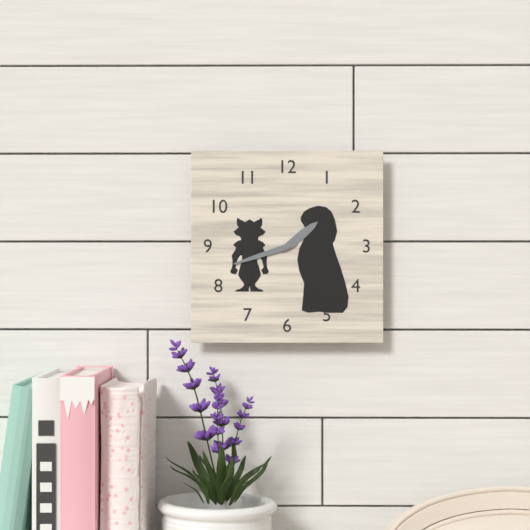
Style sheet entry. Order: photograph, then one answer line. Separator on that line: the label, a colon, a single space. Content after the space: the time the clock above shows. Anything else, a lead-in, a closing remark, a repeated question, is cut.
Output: 1:42
